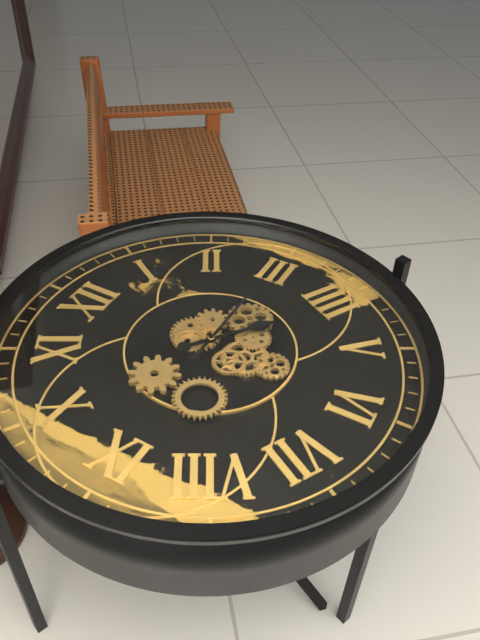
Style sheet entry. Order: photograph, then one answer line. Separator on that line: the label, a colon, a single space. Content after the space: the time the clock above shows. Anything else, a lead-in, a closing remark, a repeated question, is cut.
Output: 4:15
